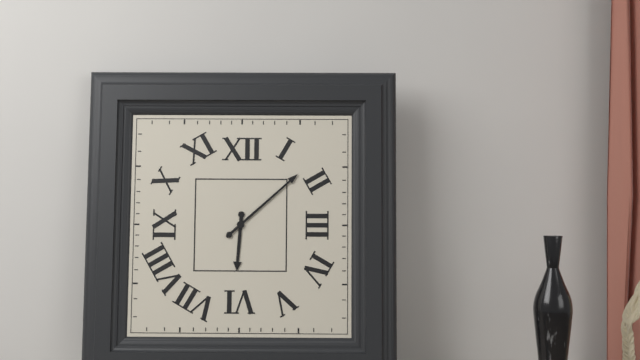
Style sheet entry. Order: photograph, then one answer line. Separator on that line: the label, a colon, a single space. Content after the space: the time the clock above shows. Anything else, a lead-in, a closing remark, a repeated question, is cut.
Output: 6:08
